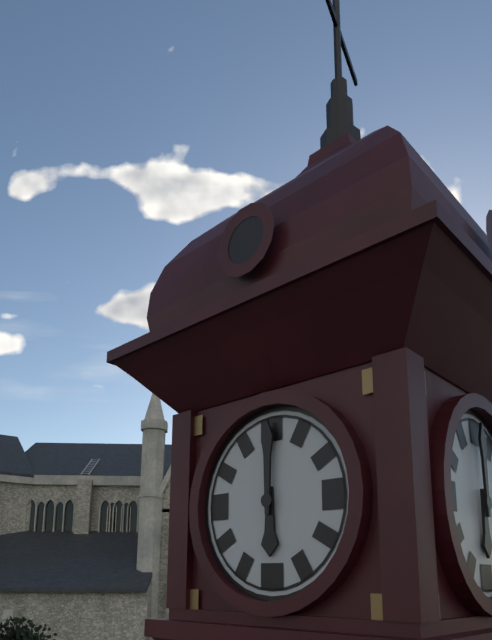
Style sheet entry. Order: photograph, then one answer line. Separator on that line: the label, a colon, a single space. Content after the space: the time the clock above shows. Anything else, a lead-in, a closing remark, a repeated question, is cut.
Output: 6:00
